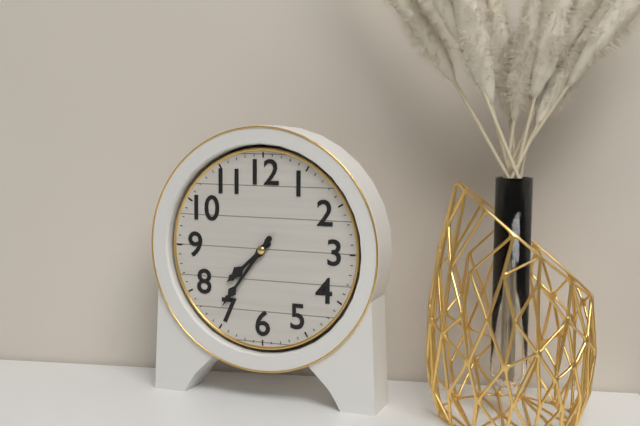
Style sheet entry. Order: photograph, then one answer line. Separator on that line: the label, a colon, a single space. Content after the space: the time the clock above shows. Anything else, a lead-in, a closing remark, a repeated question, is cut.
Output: 7:36
